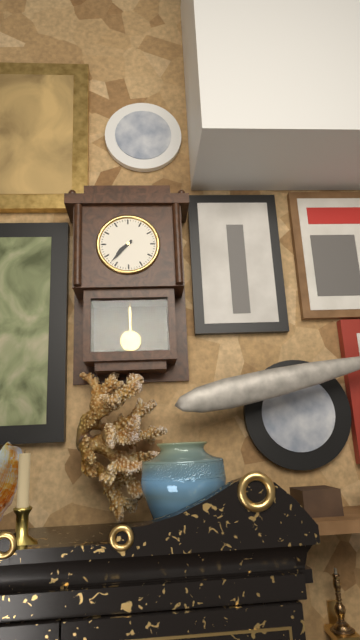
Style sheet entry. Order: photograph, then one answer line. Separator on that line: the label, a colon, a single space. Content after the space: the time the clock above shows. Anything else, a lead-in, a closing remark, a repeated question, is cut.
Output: 7:37
